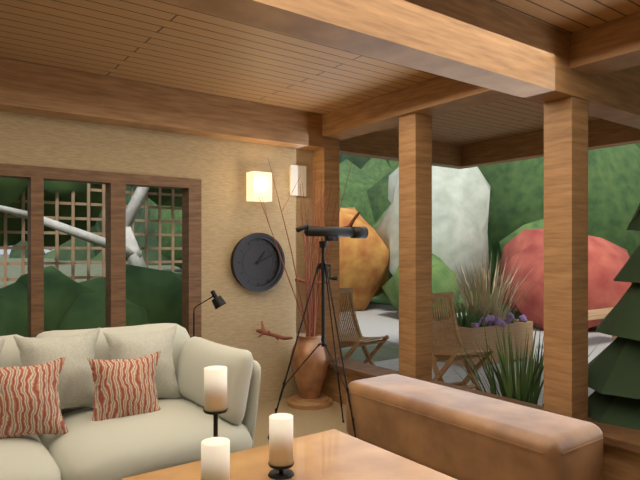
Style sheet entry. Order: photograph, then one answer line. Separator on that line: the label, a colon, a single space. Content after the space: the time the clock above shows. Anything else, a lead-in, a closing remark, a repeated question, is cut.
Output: 1:11
